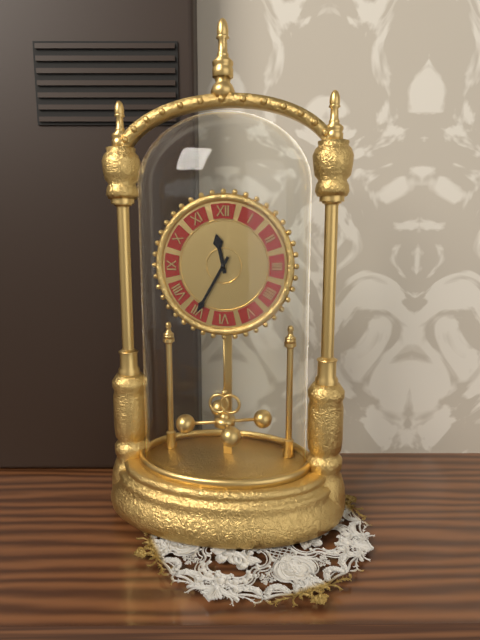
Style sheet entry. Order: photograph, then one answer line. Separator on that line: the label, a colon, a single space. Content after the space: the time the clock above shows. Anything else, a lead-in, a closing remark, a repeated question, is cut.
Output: 11:35
